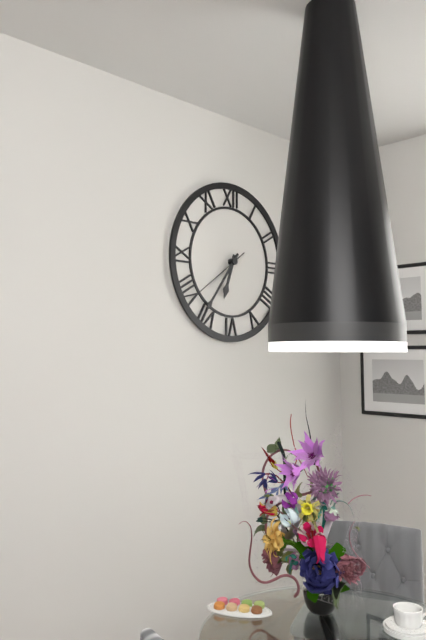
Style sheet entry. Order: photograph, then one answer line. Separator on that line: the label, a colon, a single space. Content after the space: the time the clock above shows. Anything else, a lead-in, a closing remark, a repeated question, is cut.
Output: 6:36:39
